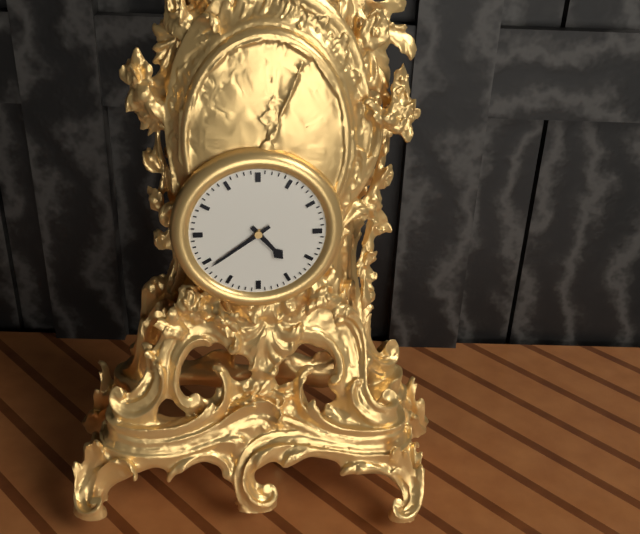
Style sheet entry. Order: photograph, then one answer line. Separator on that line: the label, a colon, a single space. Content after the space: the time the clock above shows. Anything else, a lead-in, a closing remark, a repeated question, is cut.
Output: 4:39
